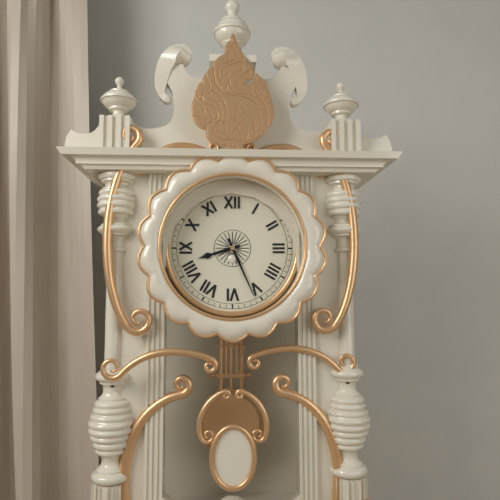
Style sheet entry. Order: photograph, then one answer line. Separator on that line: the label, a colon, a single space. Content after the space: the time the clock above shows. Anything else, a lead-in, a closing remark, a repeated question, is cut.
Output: 8:26
